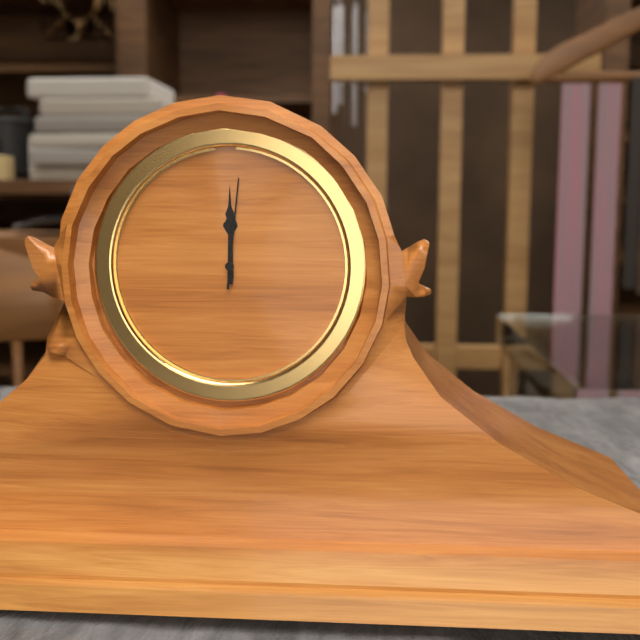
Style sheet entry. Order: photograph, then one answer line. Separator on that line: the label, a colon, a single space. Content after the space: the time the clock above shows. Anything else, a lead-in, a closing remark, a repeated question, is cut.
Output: 12:00:01
